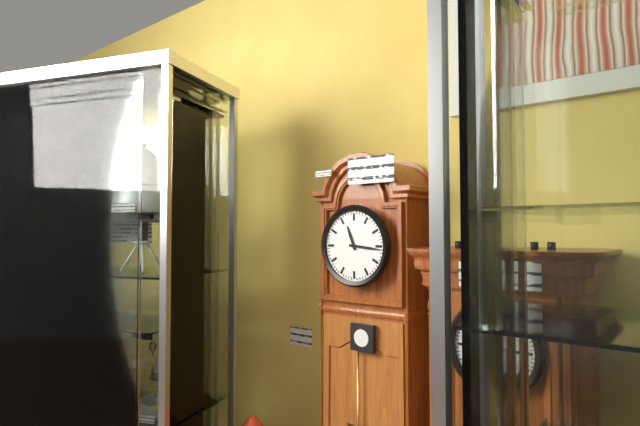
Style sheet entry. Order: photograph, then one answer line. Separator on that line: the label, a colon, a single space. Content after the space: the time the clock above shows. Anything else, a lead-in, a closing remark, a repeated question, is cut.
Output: 11:16
